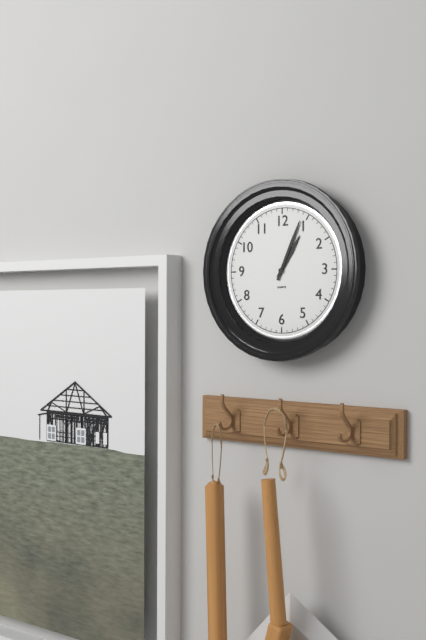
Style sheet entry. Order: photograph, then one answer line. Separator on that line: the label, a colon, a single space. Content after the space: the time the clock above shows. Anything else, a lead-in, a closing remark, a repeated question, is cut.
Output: 1:04
